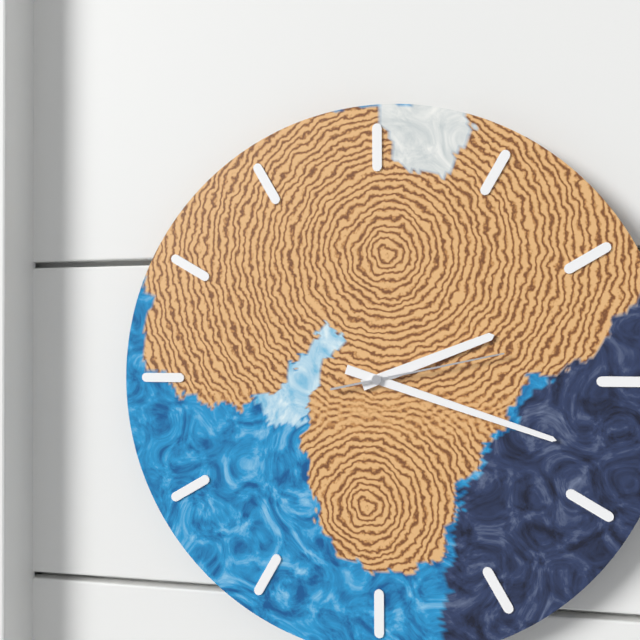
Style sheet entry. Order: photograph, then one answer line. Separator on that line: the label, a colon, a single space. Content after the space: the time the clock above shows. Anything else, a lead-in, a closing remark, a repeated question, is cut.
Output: 2:18:13
